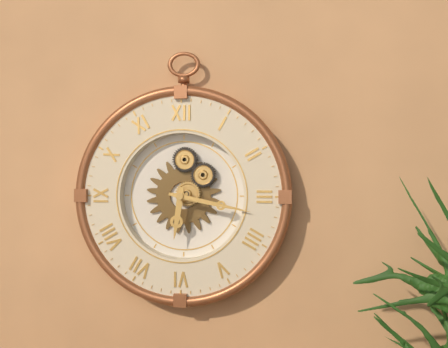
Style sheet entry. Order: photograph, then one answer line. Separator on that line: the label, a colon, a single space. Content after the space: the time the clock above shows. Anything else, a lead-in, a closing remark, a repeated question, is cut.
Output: 6:17
